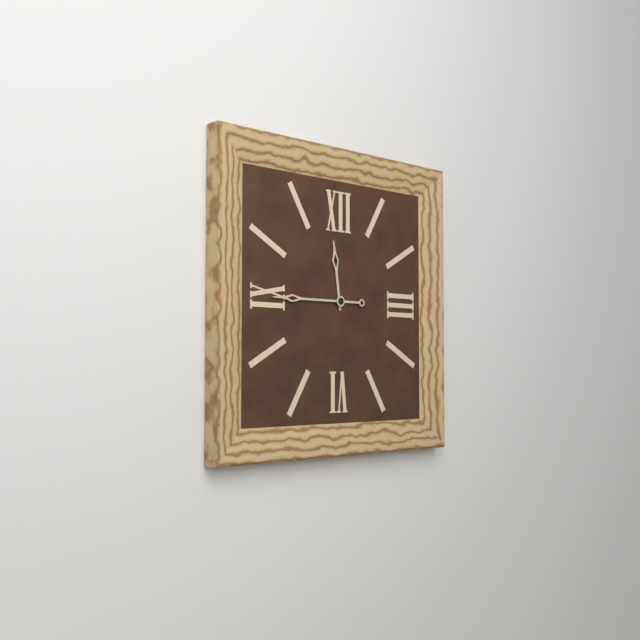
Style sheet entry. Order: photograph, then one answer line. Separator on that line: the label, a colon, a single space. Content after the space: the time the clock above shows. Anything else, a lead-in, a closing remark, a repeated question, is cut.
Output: 11:45
